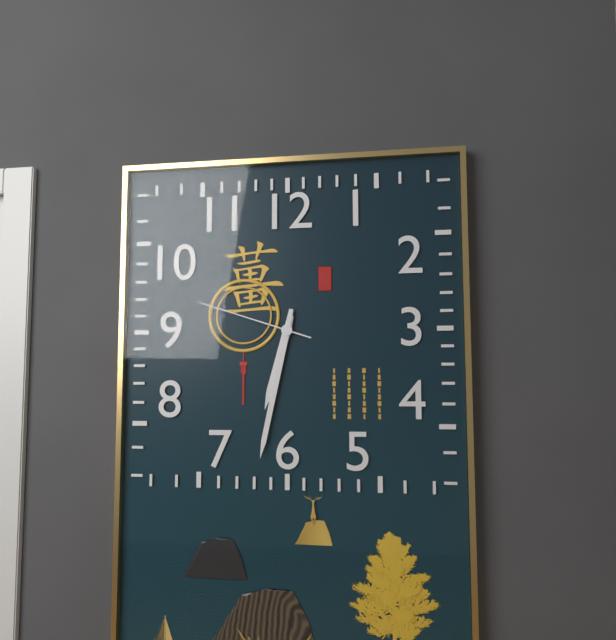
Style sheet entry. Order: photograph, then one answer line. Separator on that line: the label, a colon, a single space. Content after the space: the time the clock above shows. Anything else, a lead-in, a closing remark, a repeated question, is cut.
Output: 6:32:48
